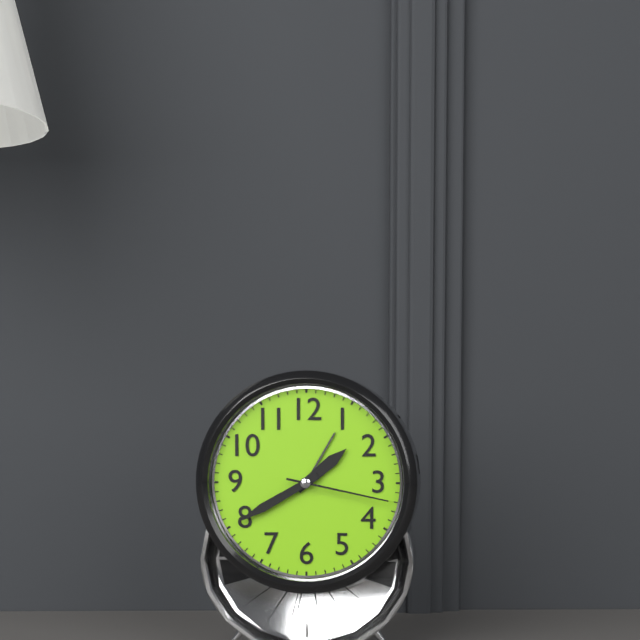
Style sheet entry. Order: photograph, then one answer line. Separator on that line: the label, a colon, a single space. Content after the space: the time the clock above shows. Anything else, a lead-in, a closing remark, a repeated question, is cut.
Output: 1:40:17
